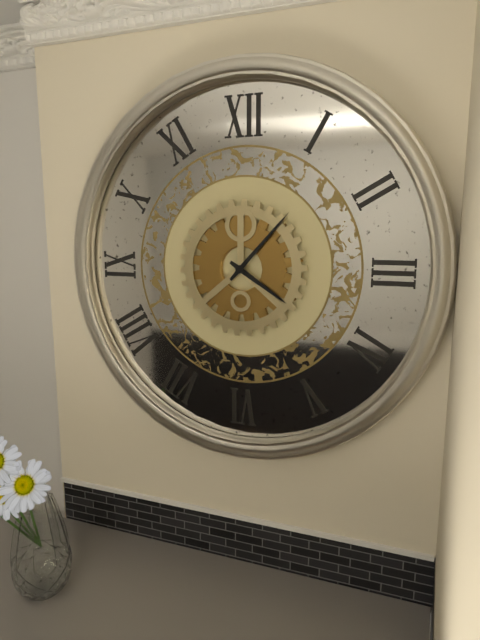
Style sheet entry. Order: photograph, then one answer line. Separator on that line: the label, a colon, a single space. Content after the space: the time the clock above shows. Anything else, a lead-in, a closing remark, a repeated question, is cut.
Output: 4:07
